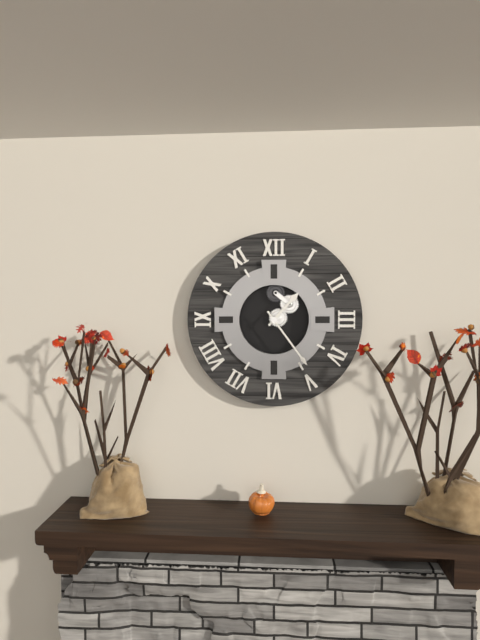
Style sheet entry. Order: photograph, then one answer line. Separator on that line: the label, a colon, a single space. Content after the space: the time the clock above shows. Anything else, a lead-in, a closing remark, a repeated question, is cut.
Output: 1:24
